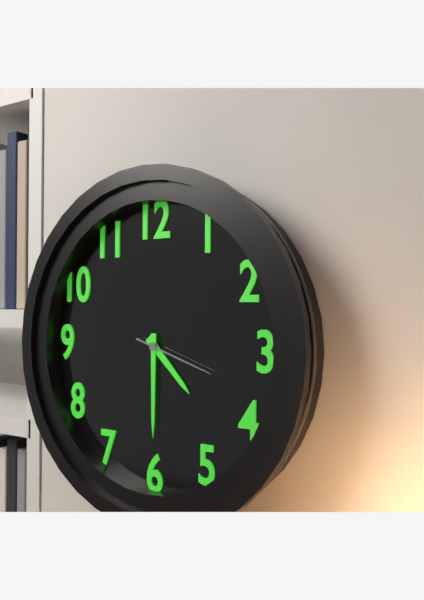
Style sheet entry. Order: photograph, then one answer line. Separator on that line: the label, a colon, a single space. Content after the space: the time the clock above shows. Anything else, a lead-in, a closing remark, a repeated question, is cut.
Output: 4:30:18
